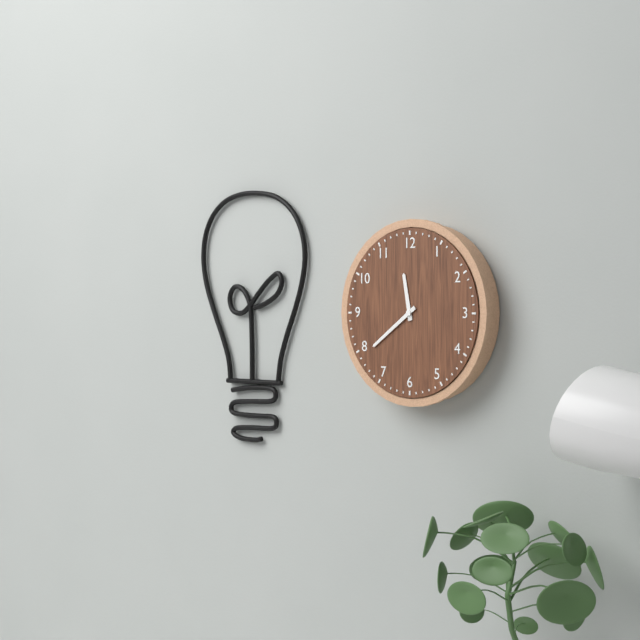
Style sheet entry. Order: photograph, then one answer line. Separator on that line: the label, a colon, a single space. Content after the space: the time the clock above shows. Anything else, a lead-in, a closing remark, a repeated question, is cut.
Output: 11:39
